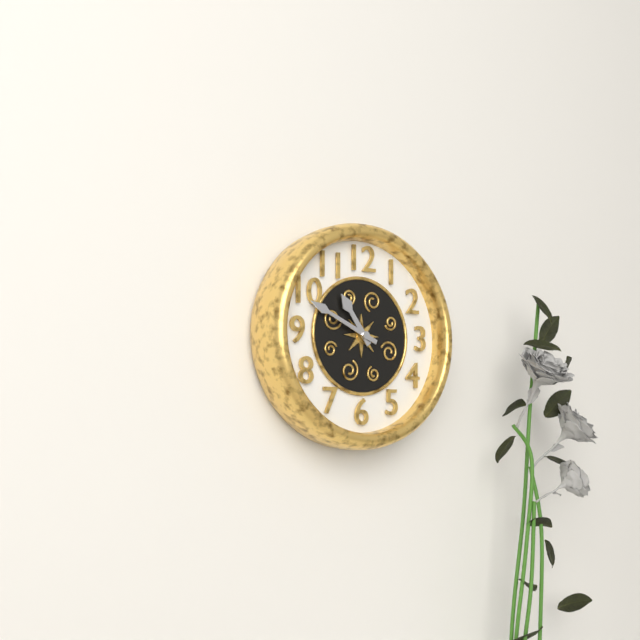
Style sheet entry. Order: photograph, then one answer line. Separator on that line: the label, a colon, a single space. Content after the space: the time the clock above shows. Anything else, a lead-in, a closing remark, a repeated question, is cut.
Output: 10:49
